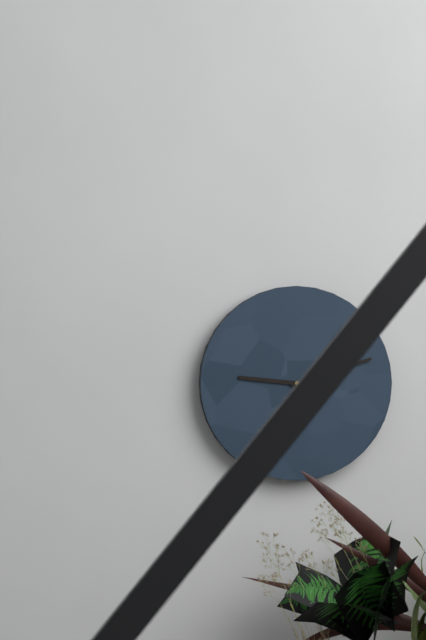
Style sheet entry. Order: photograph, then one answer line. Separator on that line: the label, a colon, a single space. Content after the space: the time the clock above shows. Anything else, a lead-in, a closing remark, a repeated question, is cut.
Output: 9:12
